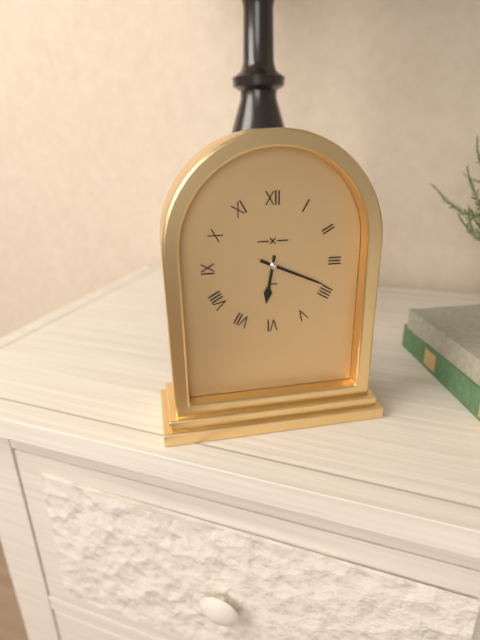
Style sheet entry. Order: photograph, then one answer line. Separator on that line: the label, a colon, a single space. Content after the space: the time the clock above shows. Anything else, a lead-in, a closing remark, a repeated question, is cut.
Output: 6:19
